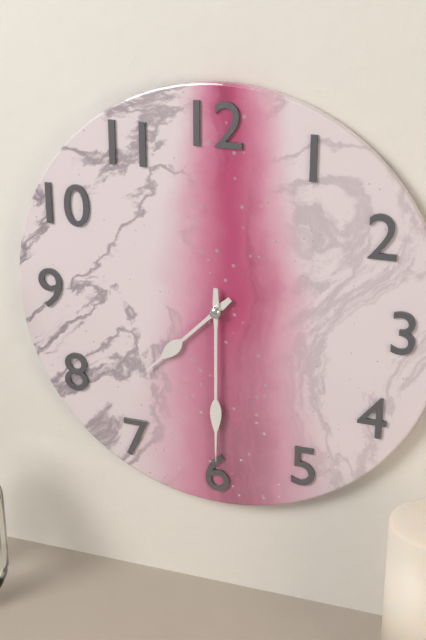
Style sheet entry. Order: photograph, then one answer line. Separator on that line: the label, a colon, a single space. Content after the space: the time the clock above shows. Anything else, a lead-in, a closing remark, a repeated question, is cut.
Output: 7:30
